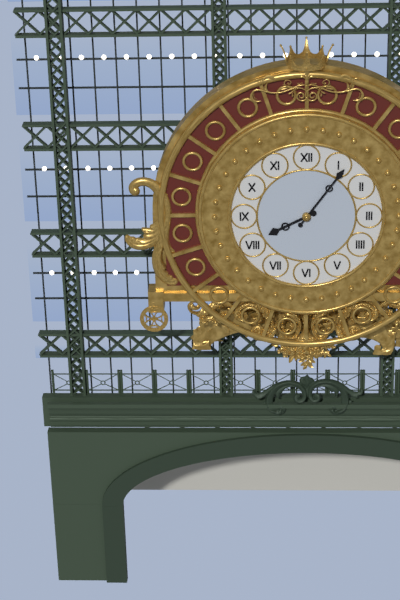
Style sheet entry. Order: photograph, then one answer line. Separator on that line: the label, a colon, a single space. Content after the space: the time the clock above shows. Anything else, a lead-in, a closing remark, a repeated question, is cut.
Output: 8:06
